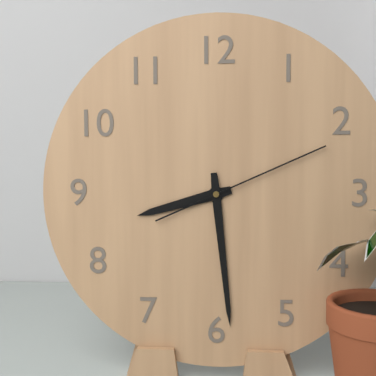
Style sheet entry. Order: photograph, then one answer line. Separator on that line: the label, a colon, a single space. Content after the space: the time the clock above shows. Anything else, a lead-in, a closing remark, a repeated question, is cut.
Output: 8:29:11
